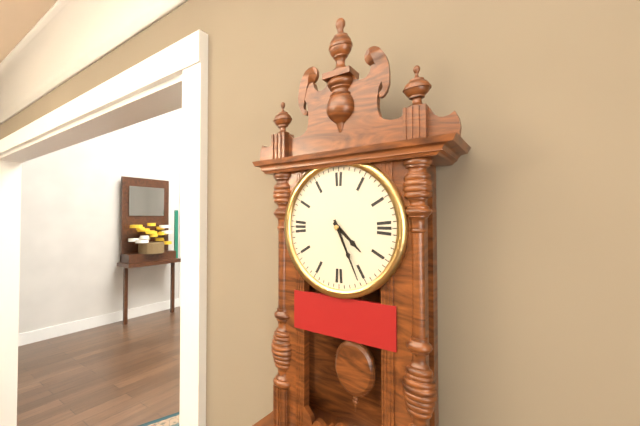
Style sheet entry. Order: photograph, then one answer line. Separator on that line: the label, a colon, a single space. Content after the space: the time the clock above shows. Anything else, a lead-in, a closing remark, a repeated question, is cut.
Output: 4:26
